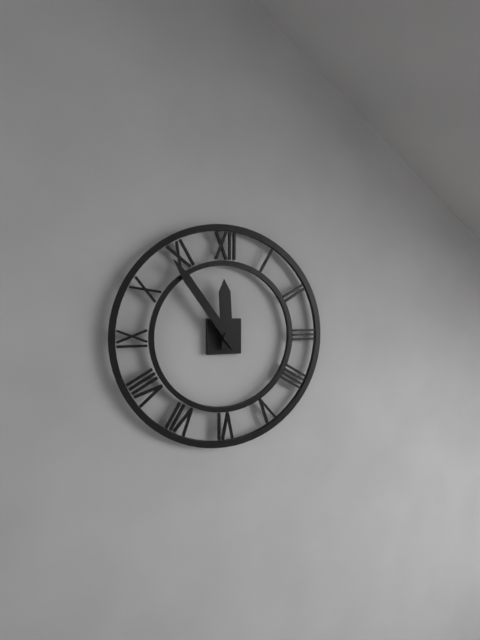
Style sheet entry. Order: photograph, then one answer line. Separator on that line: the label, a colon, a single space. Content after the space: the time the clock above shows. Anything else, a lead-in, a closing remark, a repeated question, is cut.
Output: 11:54
